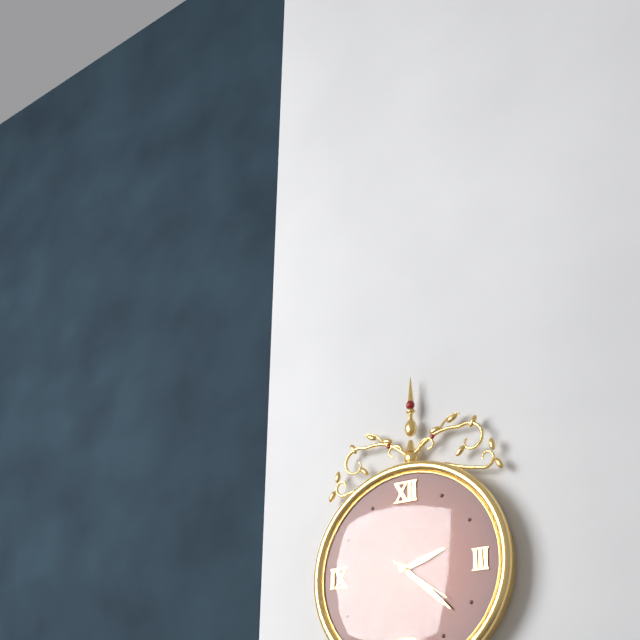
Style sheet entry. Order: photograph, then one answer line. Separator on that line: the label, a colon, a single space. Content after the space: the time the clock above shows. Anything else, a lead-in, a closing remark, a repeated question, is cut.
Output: 2:22:21
